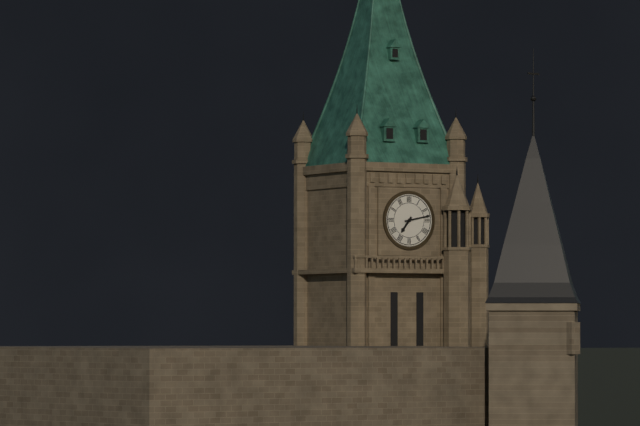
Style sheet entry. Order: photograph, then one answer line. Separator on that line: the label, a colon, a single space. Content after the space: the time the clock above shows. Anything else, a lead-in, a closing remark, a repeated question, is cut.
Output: 7:13
